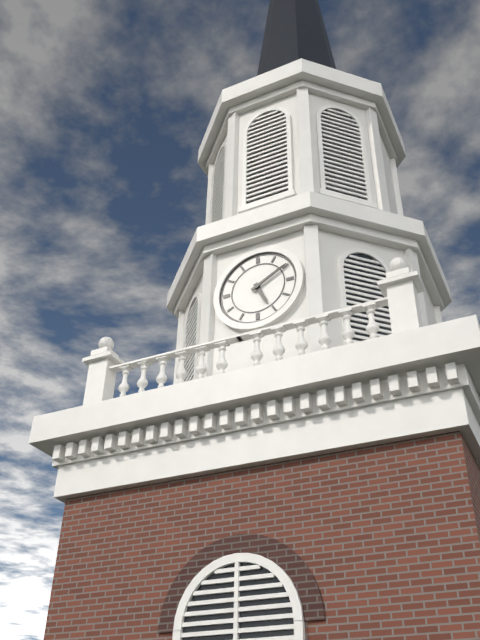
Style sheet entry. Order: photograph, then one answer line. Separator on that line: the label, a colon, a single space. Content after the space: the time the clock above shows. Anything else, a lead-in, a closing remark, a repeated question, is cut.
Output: 5:10
